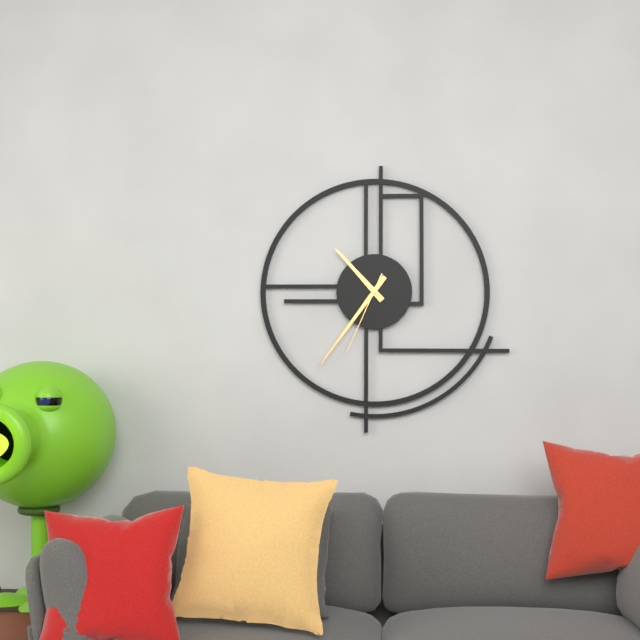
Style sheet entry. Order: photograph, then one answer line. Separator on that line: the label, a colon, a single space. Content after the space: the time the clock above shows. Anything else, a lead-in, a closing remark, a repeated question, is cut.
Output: 10:36:34
